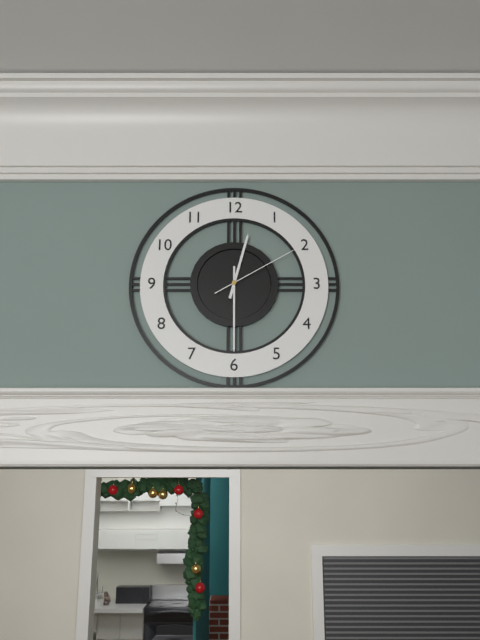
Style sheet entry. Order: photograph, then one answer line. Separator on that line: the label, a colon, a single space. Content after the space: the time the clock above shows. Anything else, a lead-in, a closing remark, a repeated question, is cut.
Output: 12:30:10
